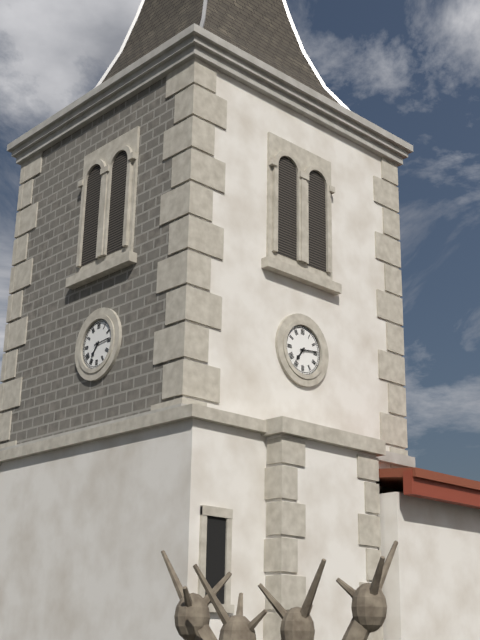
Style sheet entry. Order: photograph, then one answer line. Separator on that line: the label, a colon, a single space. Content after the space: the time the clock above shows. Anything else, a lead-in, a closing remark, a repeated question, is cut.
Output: 7:14
